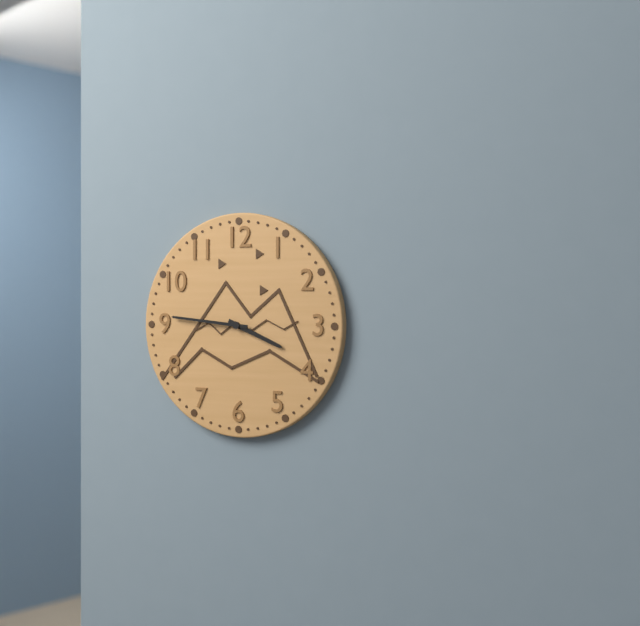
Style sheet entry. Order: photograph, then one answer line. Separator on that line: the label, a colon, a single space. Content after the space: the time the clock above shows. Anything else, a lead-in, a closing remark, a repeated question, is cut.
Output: 3:46
